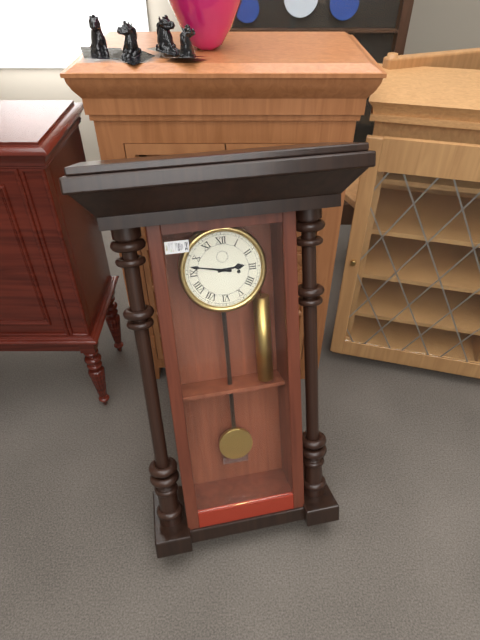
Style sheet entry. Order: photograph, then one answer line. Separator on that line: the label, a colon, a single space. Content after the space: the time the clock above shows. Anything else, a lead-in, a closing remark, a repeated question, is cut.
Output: 2:47
